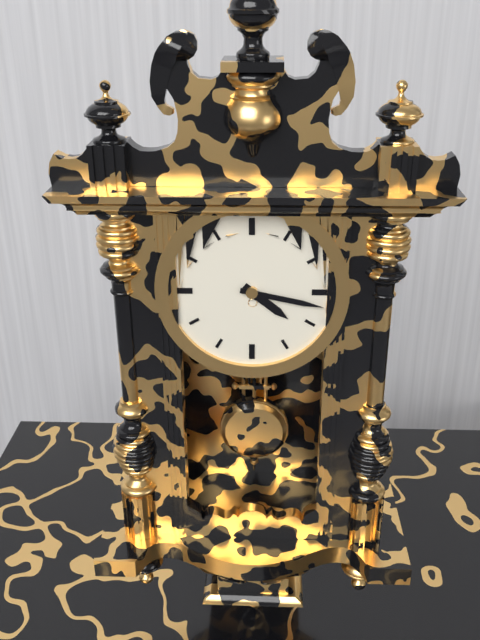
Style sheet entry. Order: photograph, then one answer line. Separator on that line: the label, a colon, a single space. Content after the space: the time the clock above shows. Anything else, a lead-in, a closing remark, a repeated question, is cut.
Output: 4:17
